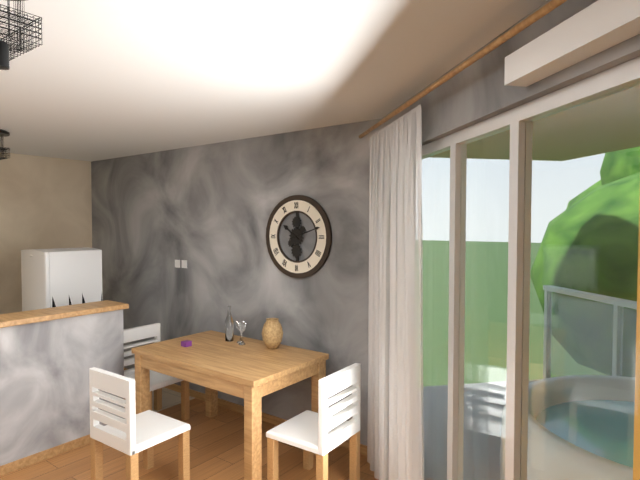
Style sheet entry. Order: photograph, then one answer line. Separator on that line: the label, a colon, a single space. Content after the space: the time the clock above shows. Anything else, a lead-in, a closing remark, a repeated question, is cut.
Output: 10:12
